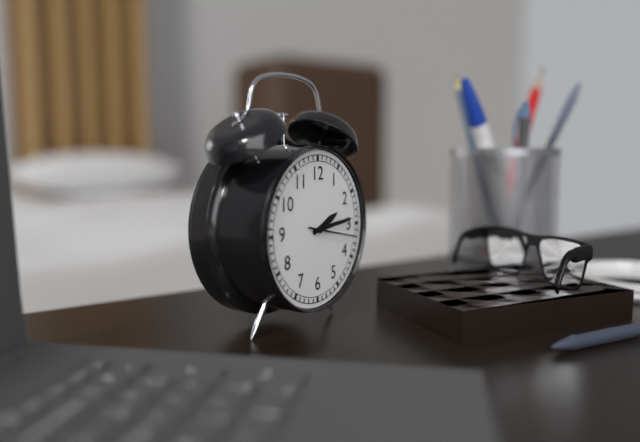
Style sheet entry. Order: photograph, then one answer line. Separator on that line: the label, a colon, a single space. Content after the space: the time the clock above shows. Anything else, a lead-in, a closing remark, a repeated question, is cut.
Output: 2:14
